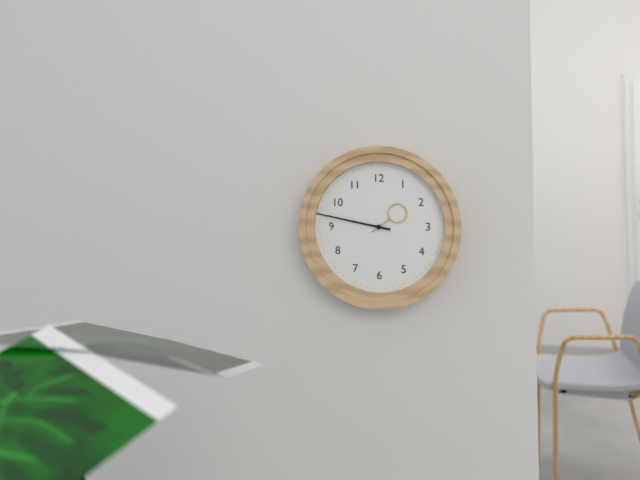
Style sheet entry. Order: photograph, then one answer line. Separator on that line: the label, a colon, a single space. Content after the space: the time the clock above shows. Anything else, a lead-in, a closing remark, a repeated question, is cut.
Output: 1:47
